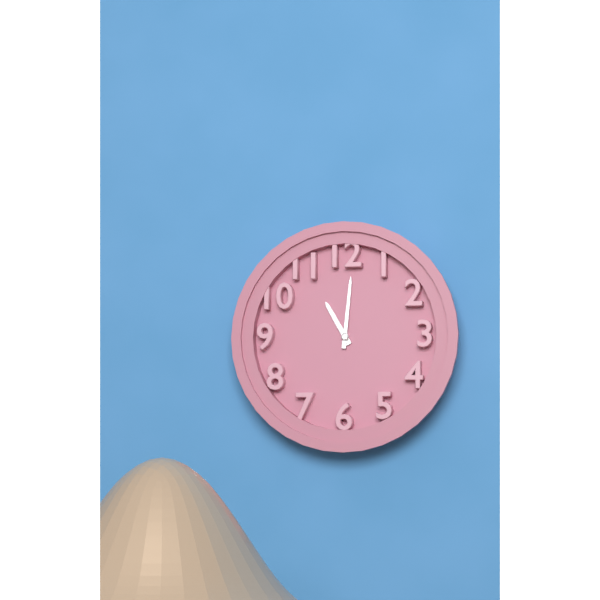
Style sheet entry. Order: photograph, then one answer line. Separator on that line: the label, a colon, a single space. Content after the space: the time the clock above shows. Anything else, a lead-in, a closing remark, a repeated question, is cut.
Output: 11:01
